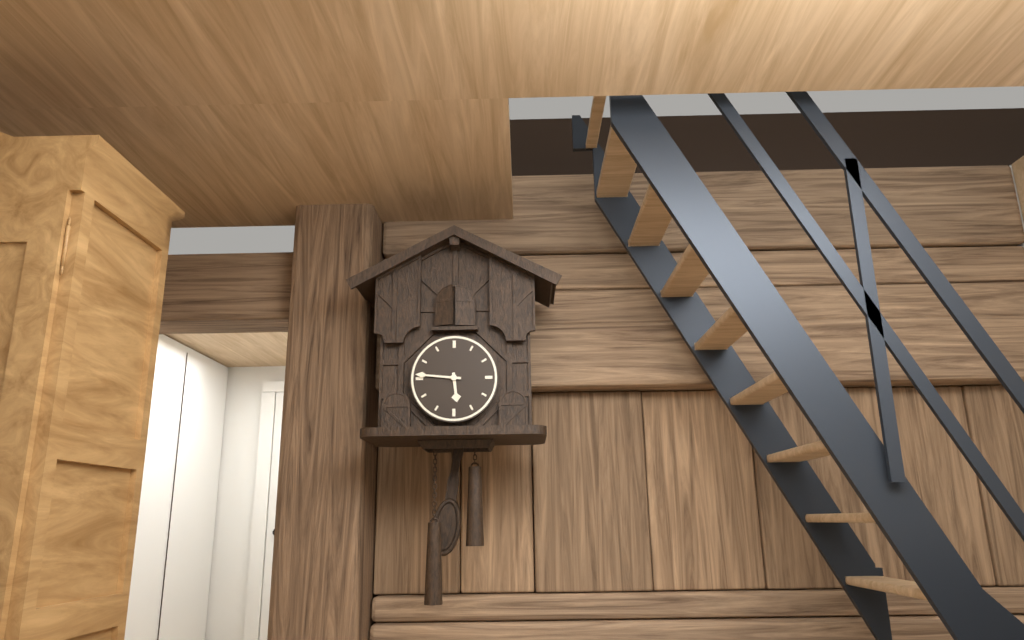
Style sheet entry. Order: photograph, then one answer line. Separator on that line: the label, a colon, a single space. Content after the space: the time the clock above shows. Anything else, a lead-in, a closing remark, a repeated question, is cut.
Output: 5:46
